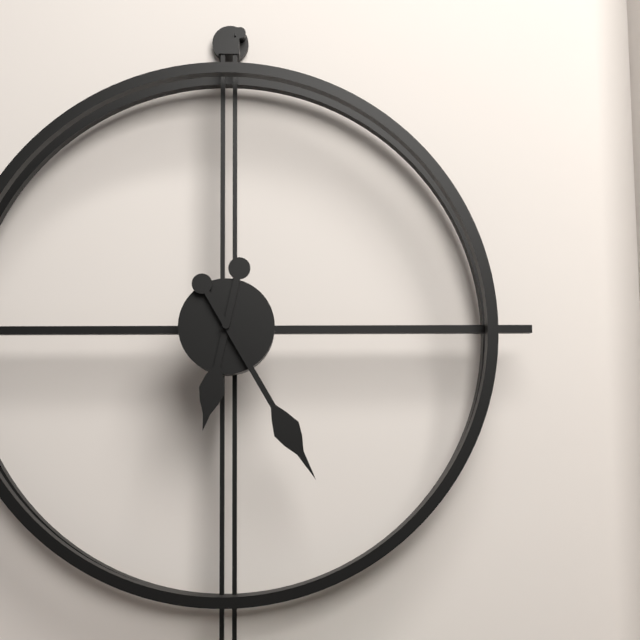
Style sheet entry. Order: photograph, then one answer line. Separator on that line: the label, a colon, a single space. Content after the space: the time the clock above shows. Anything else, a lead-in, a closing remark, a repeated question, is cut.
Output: 6:25
